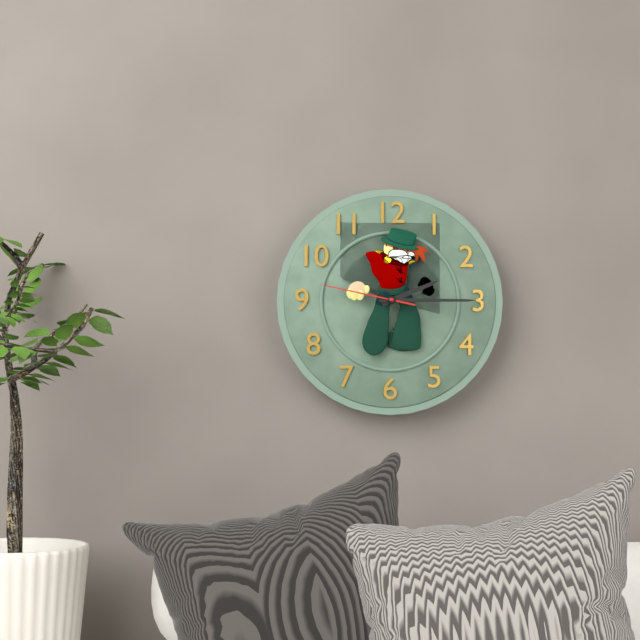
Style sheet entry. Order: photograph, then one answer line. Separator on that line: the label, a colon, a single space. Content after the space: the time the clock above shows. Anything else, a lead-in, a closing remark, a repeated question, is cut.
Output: 2:15:47
